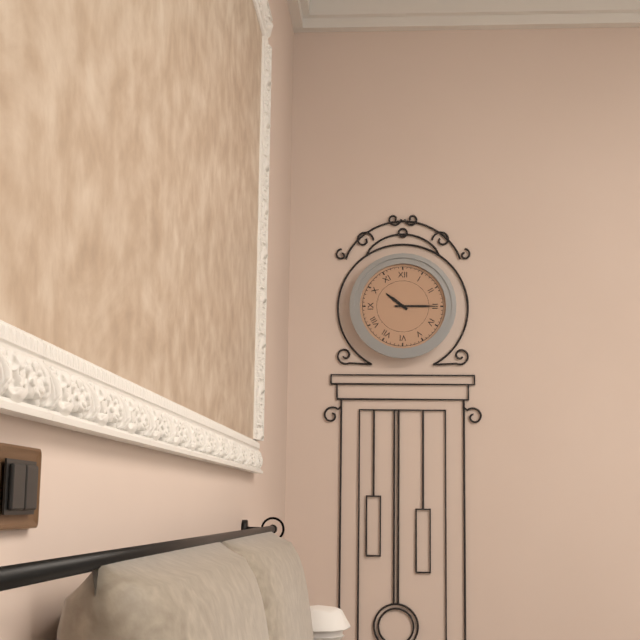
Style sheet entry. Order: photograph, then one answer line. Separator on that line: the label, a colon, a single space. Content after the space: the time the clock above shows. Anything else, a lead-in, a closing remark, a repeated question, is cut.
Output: 10:15
